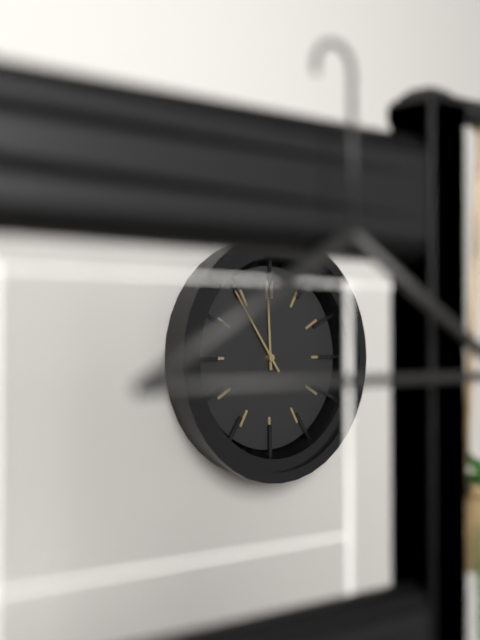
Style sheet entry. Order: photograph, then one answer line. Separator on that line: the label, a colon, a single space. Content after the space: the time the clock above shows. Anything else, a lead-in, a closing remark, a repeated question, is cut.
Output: 11:54
